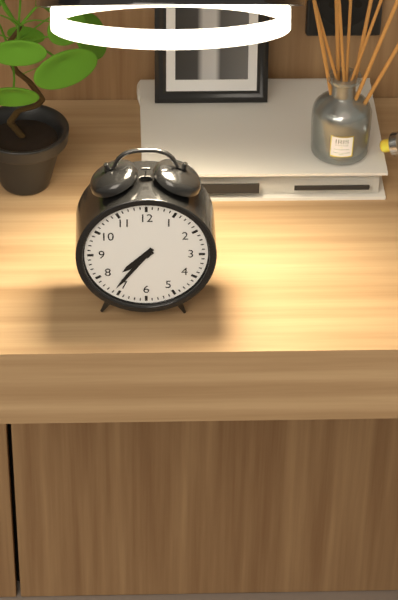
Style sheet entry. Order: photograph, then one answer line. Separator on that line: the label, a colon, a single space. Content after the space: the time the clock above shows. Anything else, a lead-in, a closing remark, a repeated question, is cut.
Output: 7:36
